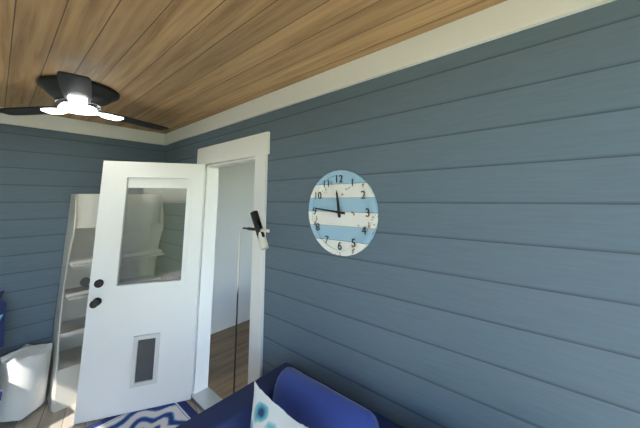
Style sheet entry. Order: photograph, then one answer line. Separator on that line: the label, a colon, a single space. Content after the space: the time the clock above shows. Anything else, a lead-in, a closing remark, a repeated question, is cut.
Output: 11:46
